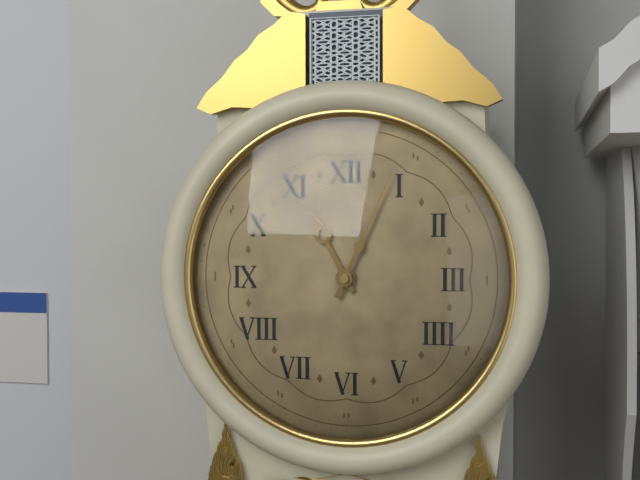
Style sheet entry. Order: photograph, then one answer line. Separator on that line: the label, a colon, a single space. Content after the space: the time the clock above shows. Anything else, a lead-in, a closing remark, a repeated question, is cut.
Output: 11:04
